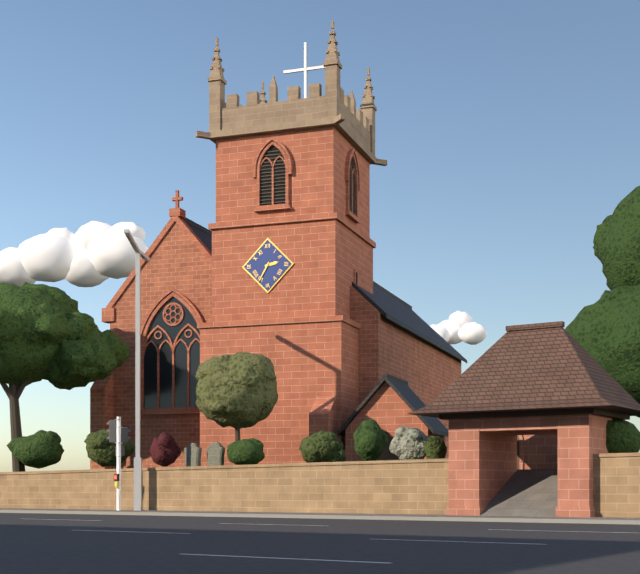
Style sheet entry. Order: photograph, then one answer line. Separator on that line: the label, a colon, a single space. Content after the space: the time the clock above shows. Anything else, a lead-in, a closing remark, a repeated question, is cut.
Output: 2:35
